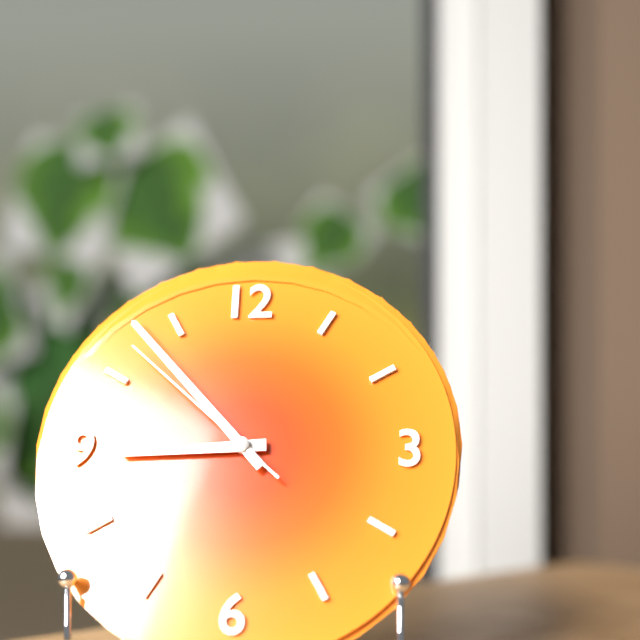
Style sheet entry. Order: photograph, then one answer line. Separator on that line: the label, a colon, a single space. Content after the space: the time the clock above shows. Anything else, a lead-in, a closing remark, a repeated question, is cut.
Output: 8:53:52
